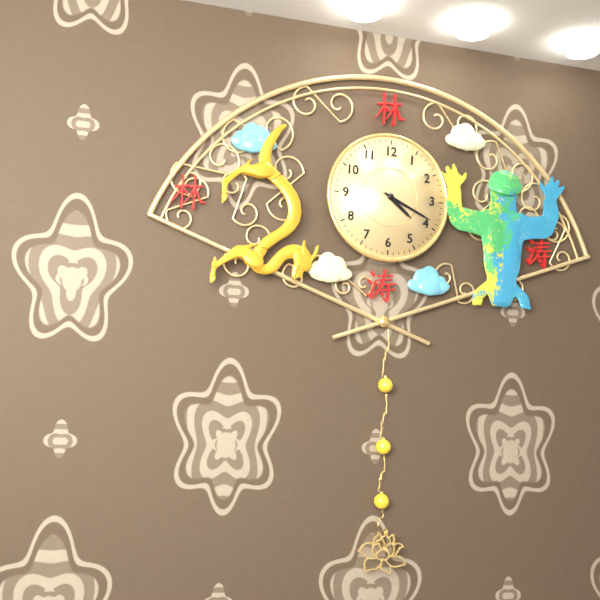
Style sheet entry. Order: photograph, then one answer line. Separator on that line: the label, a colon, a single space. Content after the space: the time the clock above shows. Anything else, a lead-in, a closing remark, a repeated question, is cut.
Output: 4:19
